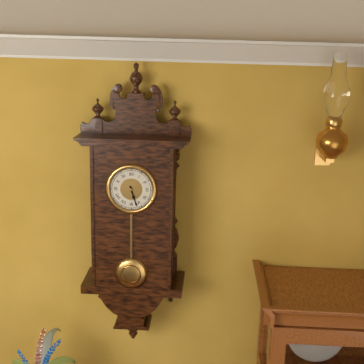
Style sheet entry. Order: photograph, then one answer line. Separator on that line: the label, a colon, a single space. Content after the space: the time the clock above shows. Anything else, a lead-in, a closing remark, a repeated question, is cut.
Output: 5:27
